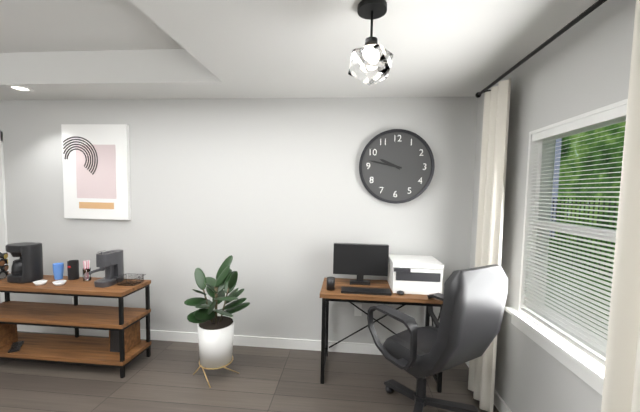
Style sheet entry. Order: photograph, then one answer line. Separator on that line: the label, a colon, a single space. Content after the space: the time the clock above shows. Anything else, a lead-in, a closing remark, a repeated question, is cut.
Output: 9:47
